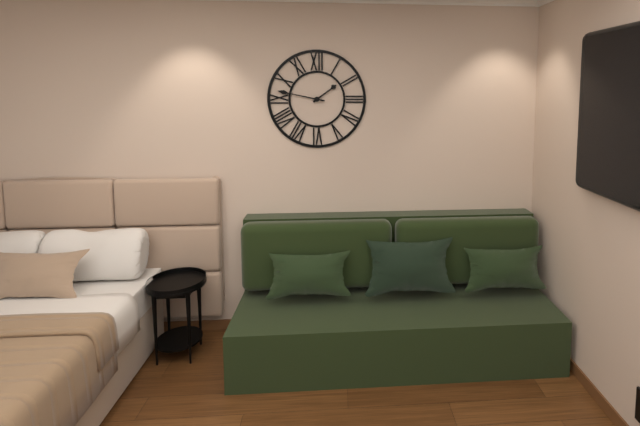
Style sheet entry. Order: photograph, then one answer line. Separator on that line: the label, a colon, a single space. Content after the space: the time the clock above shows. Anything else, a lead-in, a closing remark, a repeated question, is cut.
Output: 1:47
